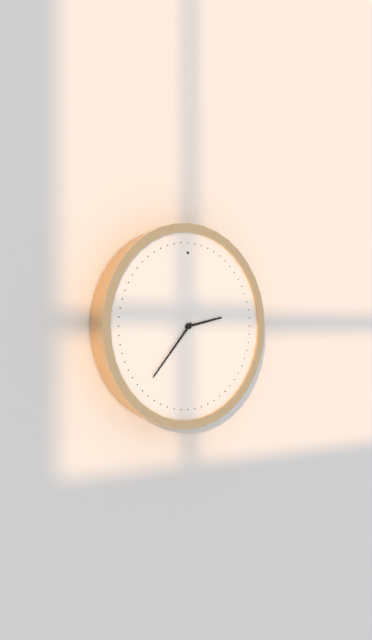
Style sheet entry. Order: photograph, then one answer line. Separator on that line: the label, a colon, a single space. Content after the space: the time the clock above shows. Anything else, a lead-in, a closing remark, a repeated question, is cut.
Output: 2:37
